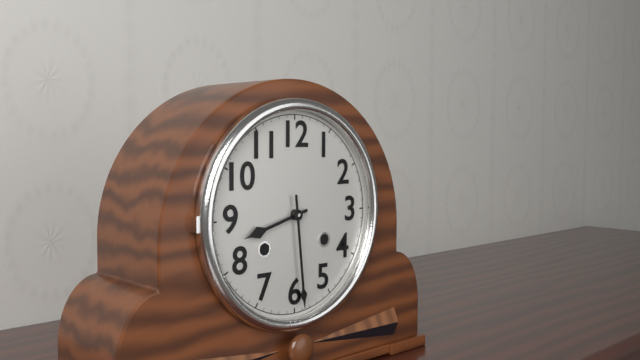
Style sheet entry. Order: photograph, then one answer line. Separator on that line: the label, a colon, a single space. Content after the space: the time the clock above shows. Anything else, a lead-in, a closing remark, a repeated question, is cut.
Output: 8:29
